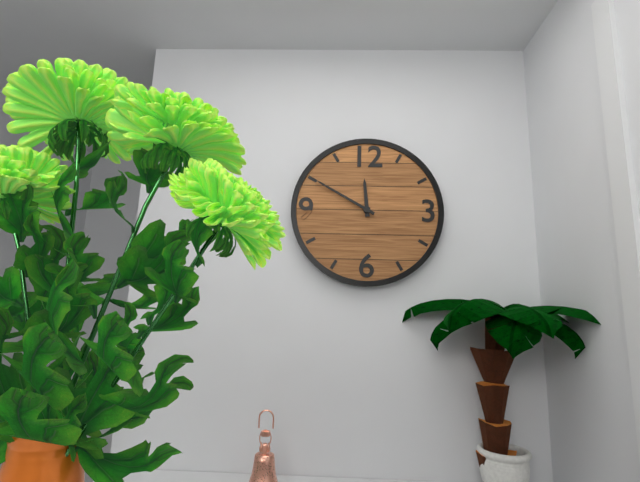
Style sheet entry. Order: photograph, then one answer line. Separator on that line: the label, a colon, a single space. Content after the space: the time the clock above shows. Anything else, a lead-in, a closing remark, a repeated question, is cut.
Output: 11:50
